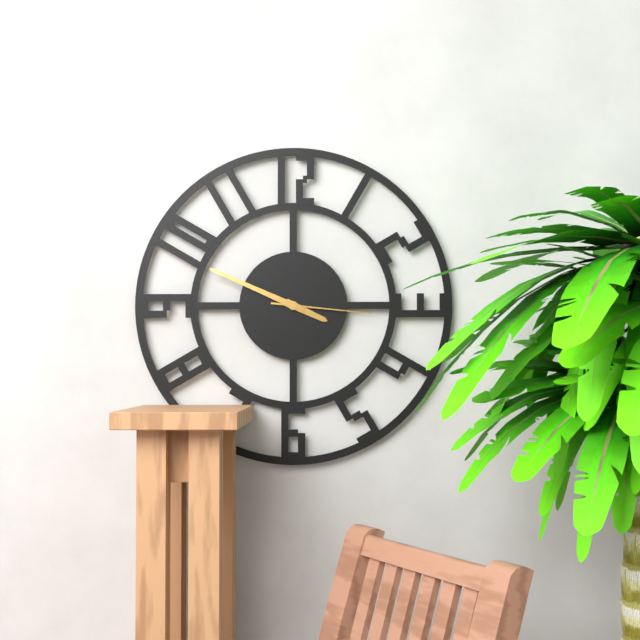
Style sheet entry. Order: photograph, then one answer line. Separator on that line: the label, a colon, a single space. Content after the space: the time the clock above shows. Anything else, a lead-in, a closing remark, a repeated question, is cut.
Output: 3:49:16
